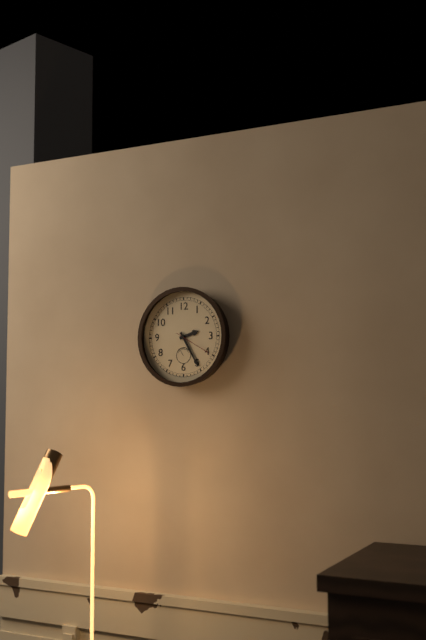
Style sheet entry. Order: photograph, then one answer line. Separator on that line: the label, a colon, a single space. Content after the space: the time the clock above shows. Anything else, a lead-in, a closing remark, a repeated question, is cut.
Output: 2:25
